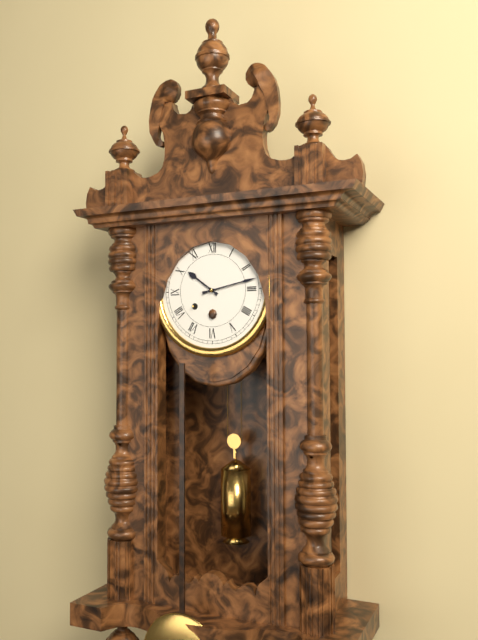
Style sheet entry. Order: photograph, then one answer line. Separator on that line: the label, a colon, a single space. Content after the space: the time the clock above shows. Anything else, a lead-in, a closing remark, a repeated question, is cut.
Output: 10:13
